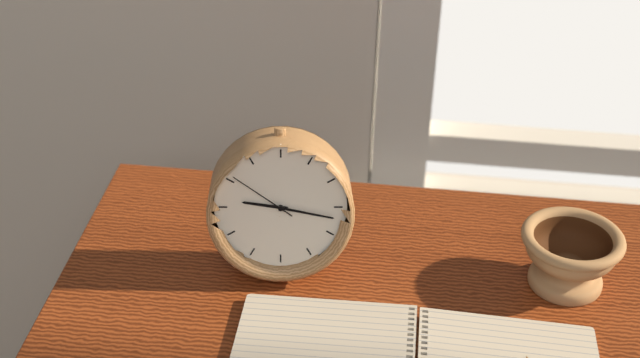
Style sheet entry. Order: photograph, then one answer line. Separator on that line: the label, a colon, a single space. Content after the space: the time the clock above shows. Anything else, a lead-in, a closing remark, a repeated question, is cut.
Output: 9:17:51
